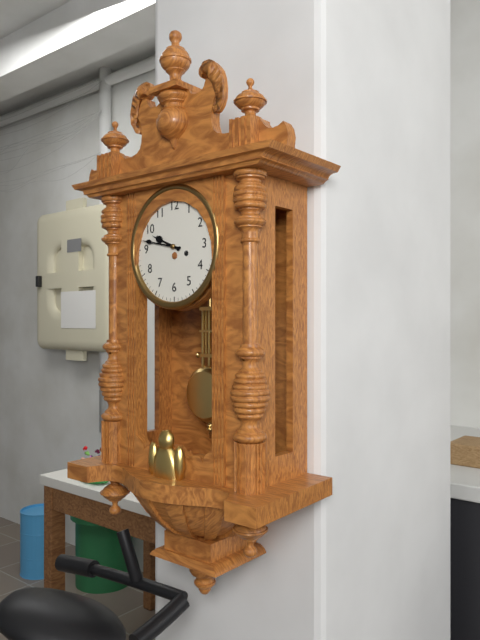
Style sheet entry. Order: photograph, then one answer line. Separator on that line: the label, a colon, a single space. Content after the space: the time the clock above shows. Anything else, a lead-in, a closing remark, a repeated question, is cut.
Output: 9:47
